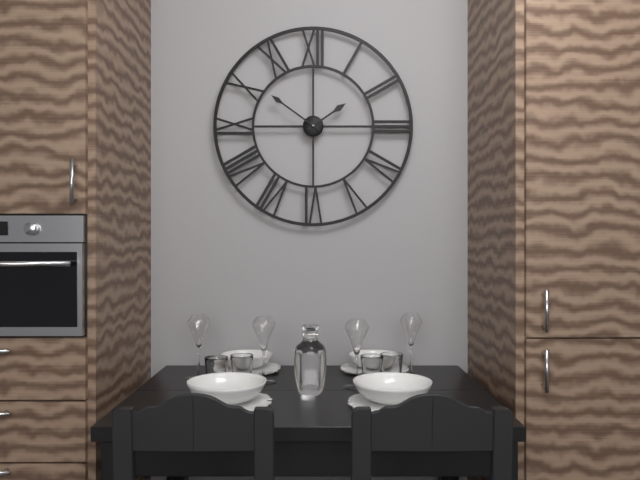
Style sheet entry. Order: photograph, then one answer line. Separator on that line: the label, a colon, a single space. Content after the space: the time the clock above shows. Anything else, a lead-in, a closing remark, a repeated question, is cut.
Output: 1:51
